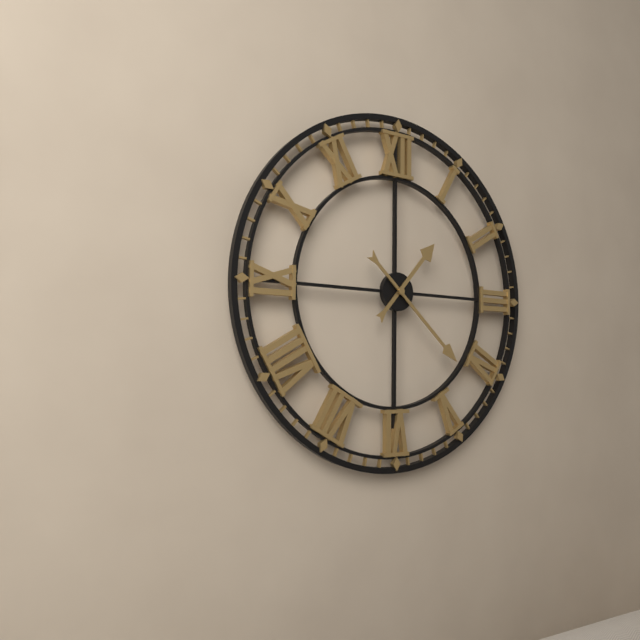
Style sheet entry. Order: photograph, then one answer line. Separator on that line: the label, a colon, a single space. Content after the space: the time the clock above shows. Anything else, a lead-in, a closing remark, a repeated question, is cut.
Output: 1:22
